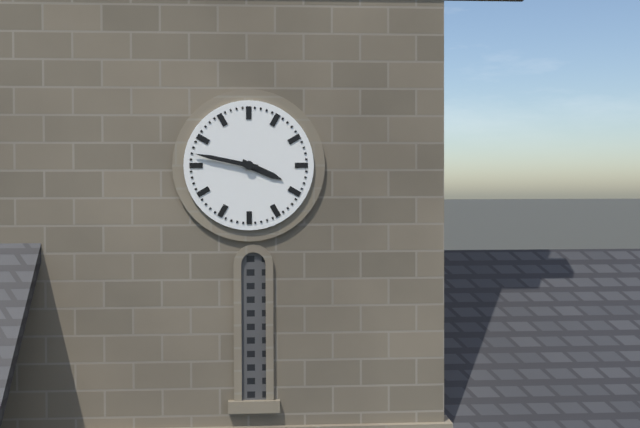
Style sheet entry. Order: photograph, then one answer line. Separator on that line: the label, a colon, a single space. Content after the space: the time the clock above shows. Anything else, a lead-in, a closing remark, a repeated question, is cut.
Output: 3:47
